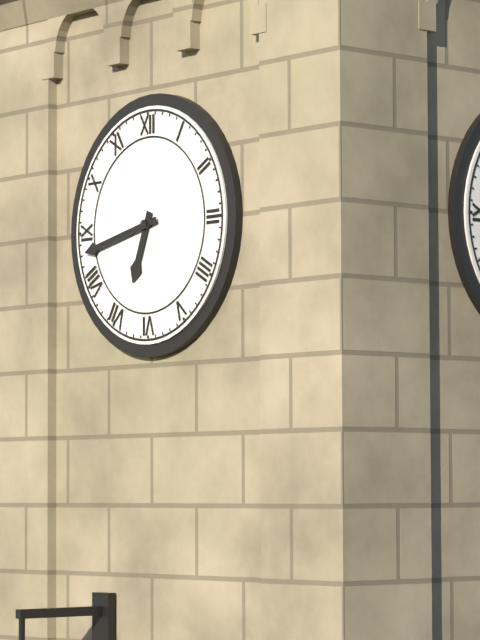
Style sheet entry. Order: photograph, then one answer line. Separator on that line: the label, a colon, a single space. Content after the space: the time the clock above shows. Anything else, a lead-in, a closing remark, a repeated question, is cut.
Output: 6:43
